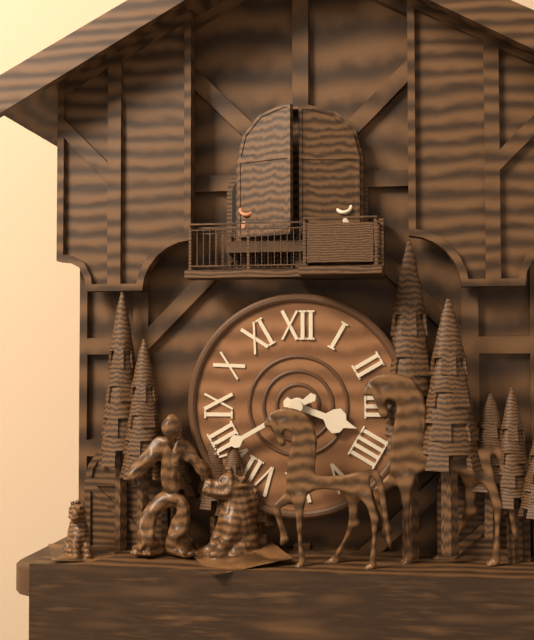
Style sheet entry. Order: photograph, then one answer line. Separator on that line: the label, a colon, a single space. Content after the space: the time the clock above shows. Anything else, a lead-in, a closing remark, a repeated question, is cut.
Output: 3:40
